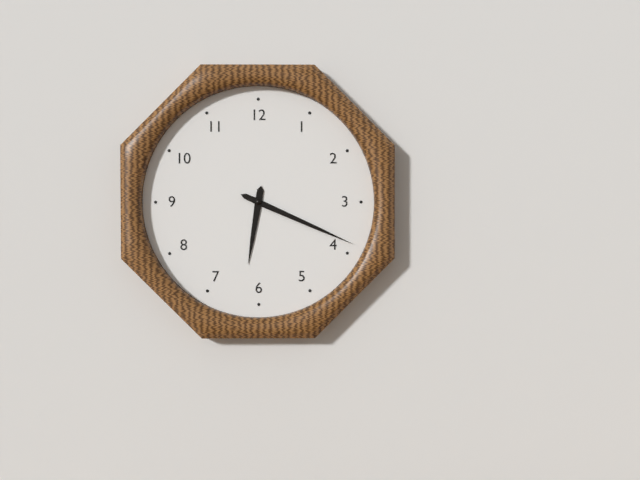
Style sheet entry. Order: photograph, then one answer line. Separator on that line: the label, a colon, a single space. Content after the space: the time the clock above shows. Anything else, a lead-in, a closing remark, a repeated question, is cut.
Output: 6:19
